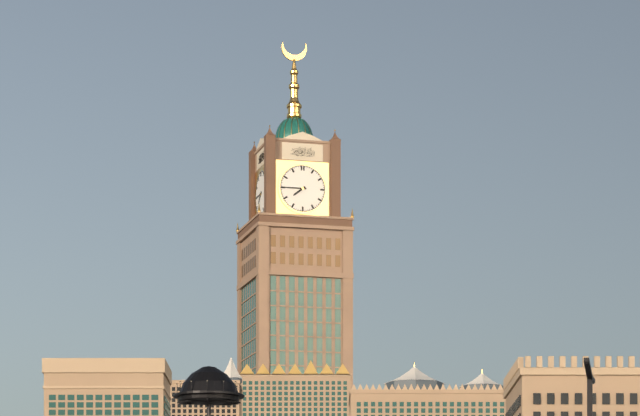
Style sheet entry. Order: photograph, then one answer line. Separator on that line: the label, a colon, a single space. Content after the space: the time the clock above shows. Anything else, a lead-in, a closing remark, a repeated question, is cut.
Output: 7:45
